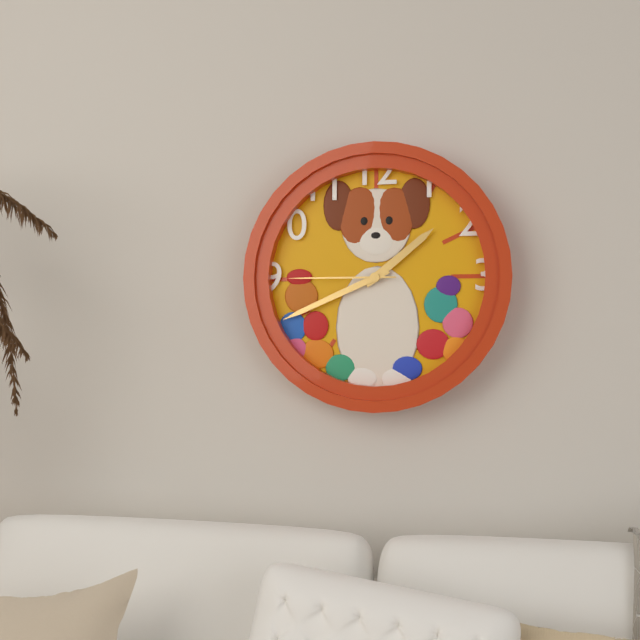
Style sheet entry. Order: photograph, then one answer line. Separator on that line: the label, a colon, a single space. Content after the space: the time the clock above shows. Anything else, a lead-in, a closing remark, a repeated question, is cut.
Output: 1:41:45
